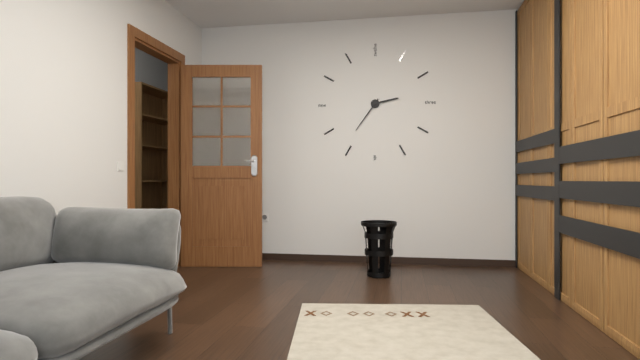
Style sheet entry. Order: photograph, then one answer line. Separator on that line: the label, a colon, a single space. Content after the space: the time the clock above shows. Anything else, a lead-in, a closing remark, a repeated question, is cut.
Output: 2:36
